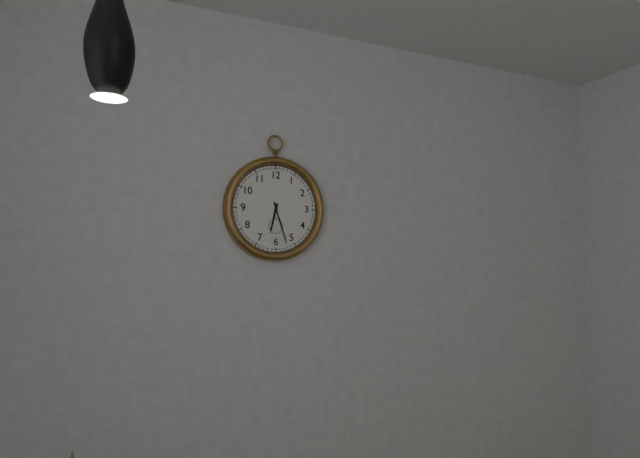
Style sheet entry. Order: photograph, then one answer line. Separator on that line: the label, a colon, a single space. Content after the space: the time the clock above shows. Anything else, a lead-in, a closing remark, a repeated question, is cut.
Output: 6:27
